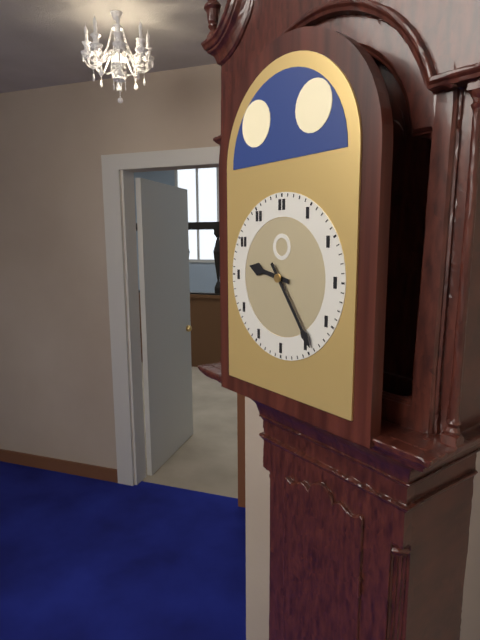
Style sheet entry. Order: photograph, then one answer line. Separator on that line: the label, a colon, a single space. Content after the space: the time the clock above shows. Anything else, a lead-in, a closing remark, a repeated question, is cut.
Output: 9:24
